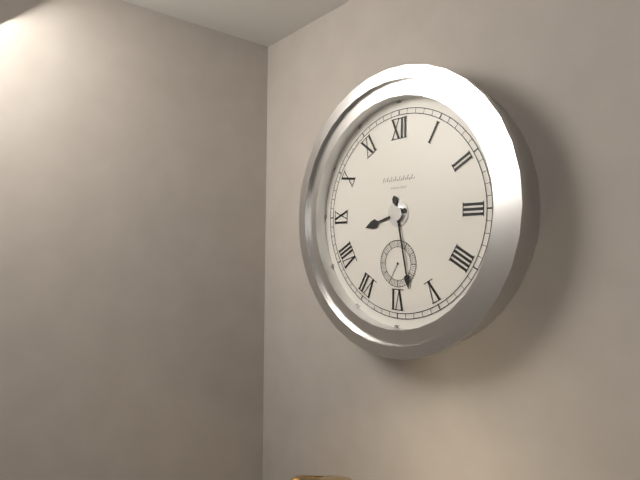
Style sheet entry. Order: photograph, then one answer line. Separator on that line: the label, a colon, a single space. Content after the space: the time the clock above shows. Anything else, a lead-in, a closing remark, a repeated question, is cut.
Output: 8:28
